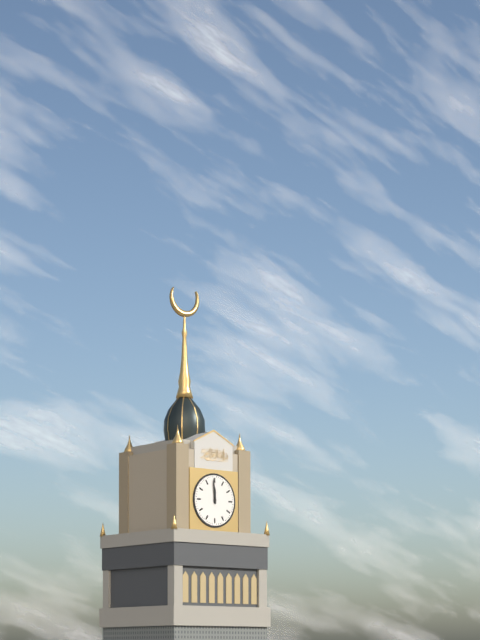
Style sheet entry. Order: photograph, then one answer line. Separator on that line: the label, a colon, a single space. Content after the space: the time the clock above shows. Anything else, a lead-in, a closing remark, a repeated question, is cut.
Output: 11:59
